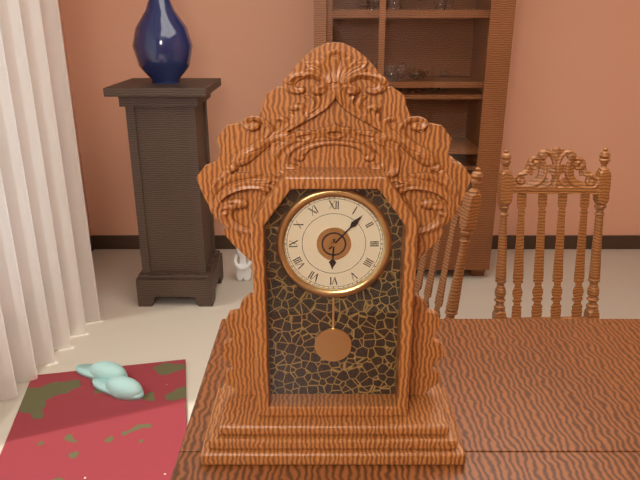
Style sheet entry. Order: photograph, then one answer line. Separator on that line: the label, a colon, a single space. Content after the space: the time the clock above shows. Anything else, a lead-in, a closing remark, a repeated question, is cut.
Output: 6:07
